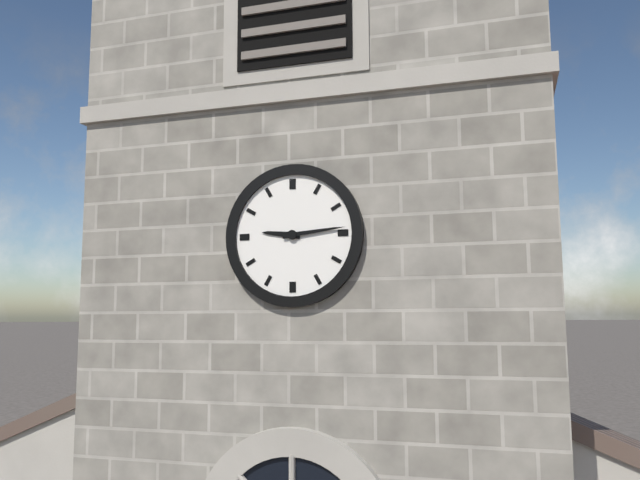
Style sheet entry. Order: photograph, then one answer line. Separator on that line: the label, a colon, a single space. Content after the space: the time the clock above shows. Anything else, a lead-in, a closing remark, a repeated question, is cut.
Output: 9:14
